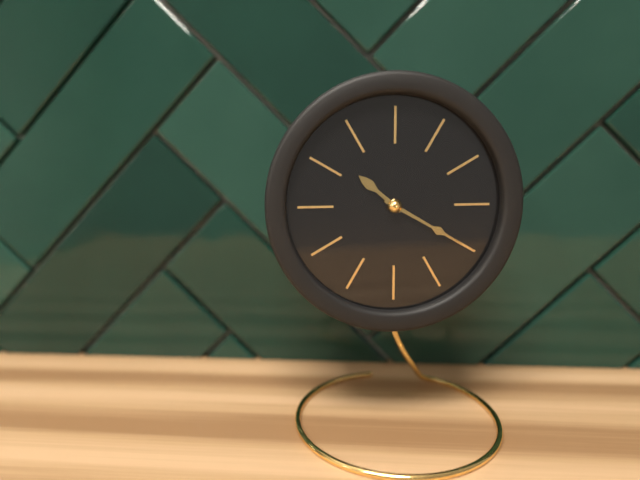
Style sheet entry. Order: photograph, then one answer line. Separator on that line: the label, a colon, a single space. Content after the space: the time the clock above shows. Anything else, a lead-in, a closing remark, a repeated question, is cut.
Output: 10:20
